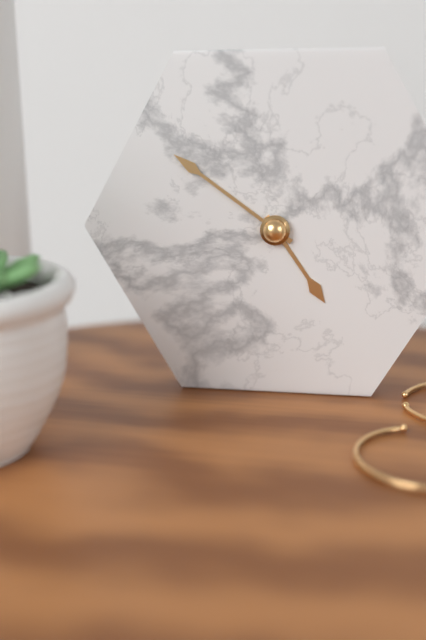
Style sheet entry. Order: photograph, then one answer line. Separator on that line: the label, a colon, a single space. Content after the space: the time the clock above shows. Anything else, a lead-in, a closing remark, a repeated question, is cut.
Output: 4:51
